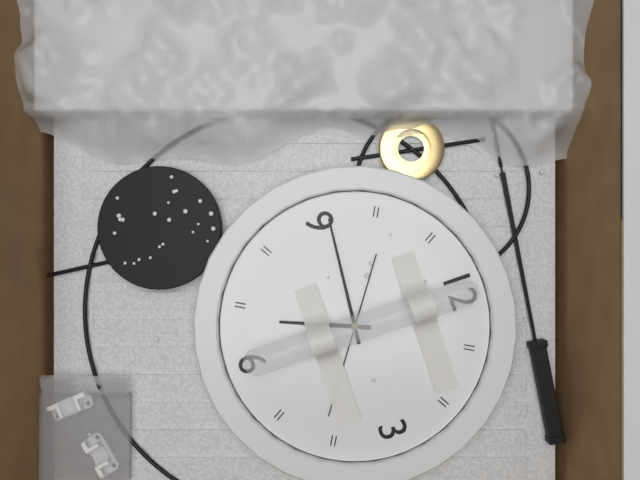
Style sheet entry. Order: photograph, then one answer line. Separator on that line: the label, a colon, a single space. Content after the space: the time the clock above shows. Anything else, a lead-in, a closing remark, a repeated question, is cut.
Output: 6:46
